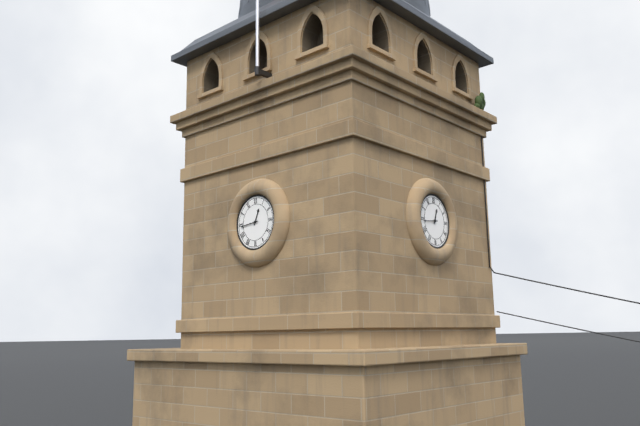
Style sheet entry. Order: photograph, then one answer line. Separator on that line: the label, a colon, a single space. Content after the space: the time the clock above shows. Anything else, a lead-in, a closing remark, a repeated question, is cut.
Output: 12:44
